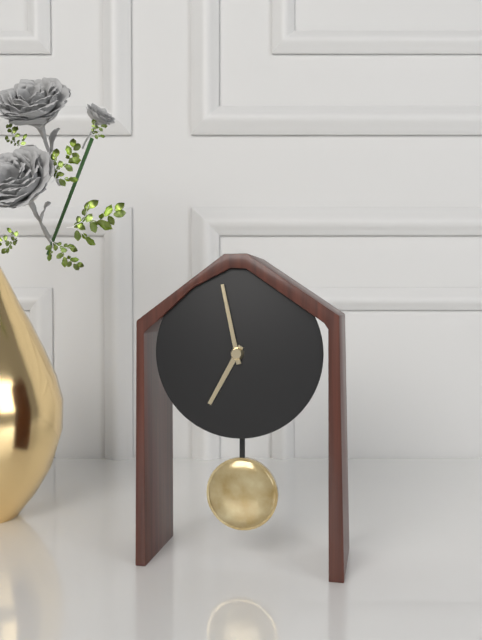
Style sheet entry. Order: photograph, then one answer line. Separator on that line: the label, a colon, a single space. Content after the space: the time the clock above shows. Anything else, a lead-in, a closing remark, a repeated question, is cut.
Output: 6:58
